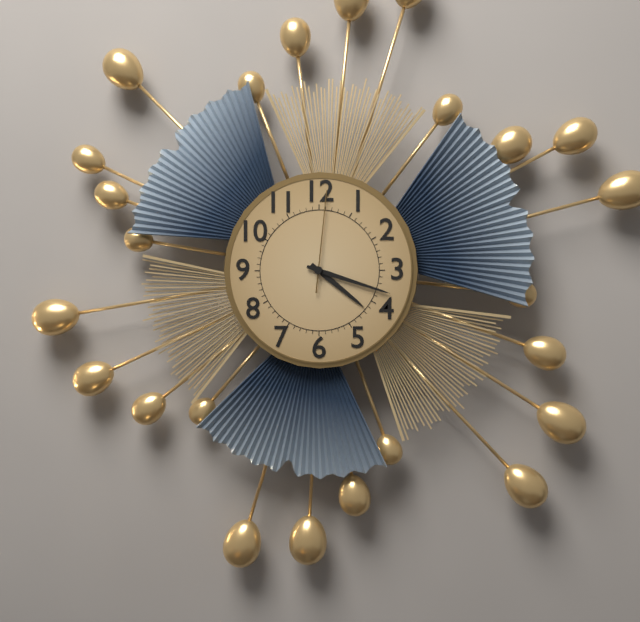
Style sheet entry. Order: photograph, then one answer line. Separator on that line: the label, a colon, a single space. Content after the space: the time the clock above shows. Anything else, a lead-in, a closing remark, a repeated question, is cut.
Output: 4:18:01
